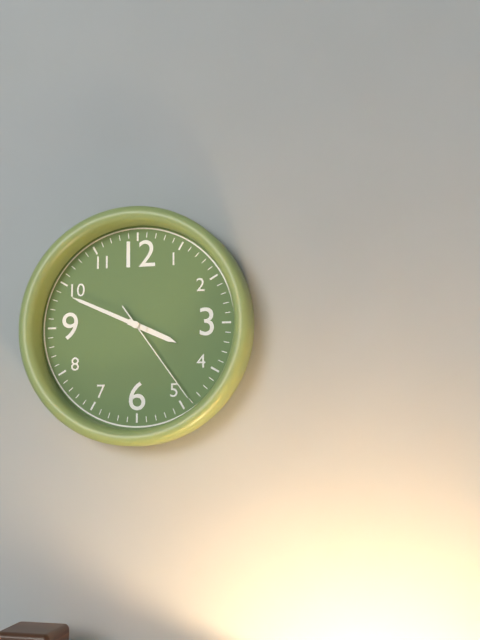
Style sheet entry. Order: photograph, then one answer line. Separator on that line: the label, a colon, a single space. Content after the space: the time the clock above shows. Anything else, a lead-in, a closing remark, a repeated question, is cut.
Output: 3:49:24
